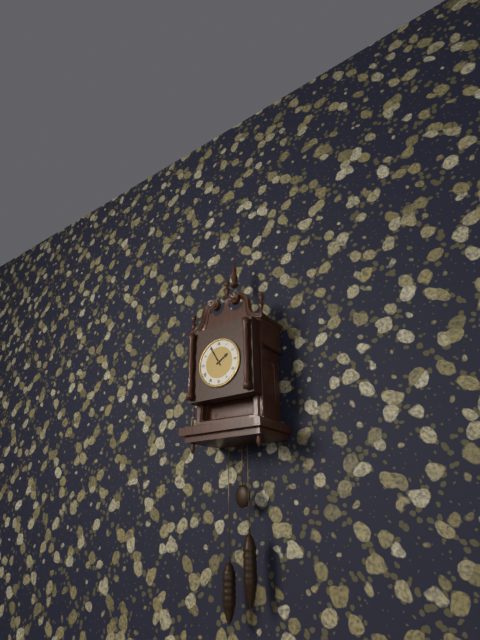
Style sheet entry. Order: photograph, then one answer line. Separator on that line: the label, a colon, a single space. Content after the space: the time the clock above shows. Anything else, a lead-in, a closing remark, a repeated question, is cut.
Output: 1:55
